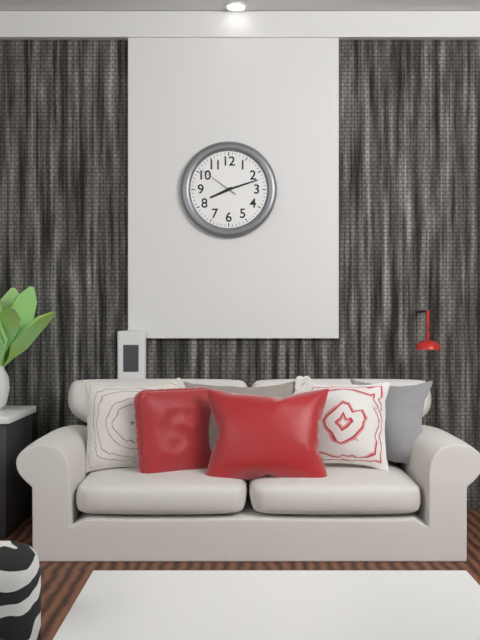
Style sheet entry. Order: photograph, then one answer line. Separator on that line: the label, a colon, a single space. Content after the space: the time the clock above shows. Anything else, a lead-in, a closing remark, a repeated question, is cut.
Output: 8:12
